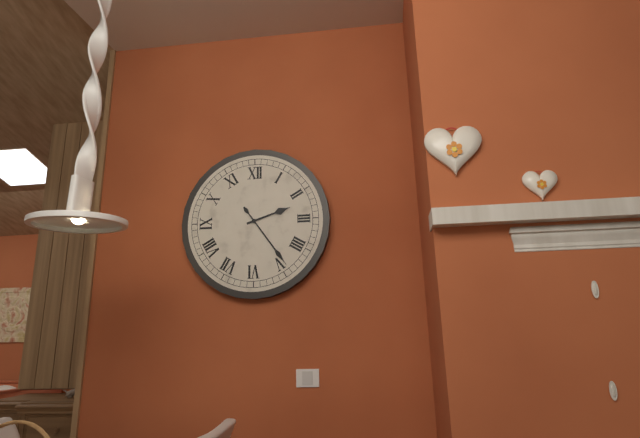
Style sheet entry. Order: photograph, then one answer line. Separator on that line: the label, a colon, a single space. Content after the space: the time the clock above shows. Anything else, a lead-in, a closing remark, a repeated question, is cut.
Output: 2:24
